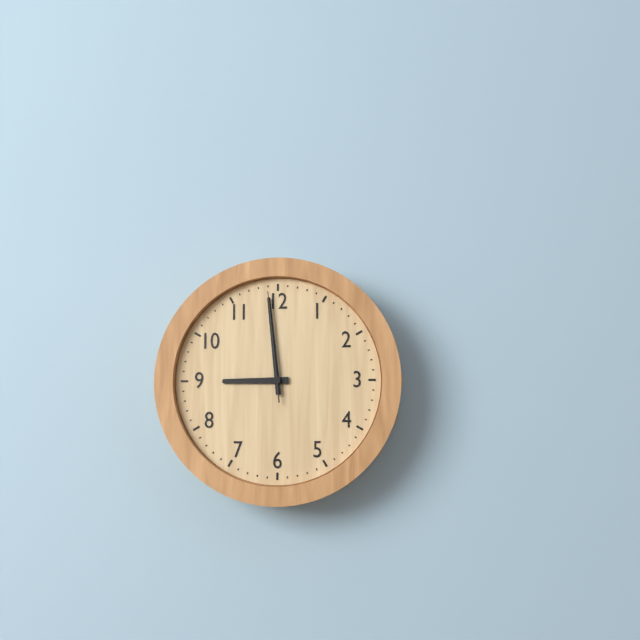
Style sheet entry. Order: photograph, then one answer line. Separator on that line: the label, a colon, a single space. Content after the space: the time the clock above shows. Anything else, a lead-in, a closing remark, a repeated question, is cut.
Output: 8:59:59
